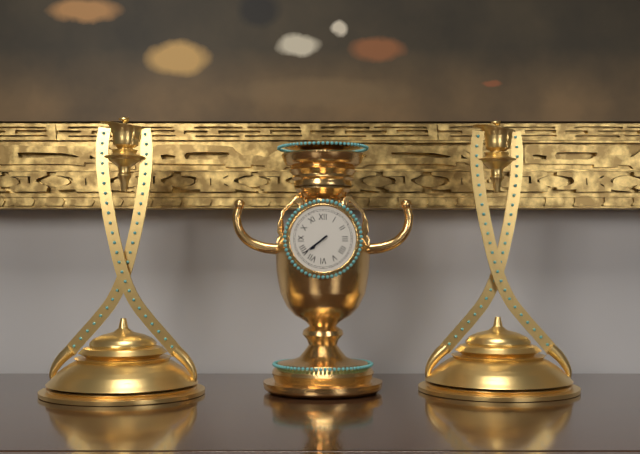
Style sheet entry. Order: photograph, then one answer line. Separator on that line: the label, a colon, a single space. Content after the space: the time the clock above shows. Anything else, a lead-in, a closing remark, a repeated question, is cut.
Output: 7:39
